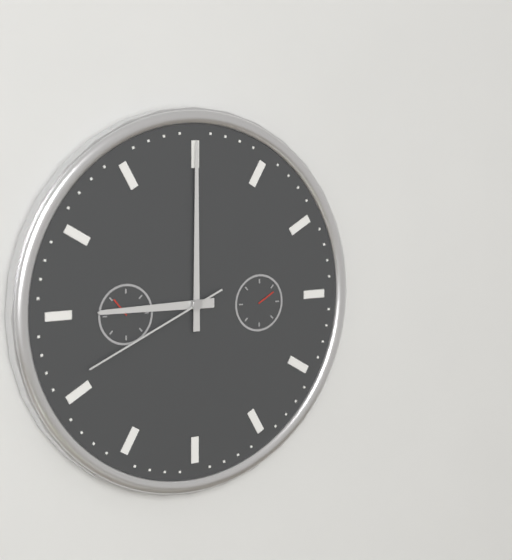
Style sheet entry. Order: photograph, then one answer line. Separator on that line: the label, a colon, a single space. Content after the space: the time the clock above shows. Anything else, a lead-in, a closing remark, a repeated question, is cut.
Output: 9:00:41
